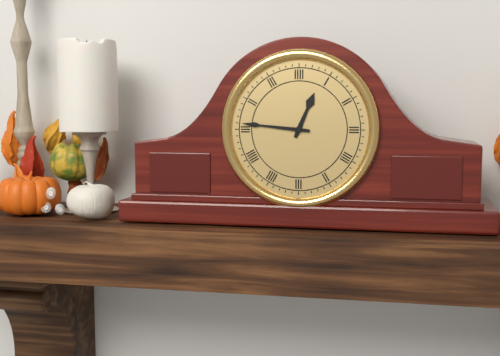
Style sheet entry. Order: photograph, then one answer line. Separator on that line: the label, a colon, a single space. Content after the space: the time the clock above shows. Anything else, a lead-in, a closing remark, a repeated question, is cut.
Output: 12:46
